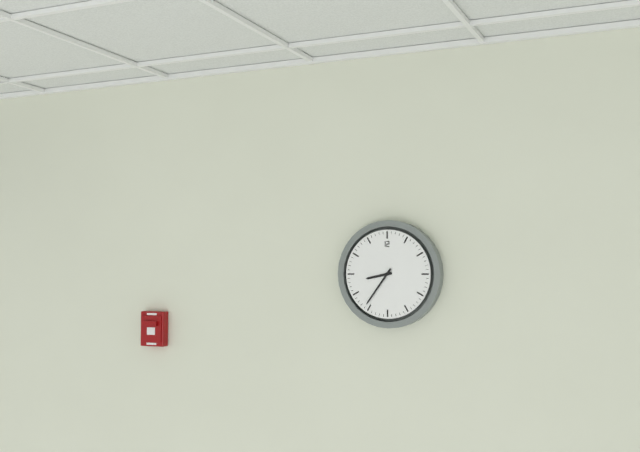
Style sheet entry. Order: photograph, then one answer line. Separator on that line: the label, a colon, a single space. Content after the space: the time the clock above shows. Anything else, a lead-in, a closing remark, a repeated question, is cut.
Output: 8:36
